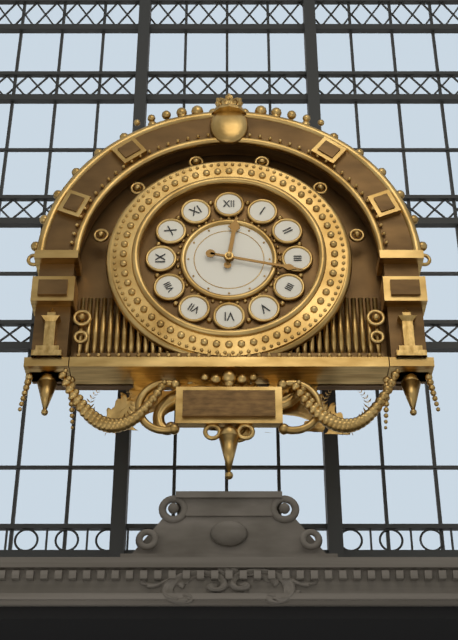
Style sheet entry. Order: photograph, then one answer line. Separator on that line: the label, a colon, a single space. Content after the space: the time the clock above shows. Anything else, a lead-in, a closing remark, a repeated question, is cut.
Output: 12:17
